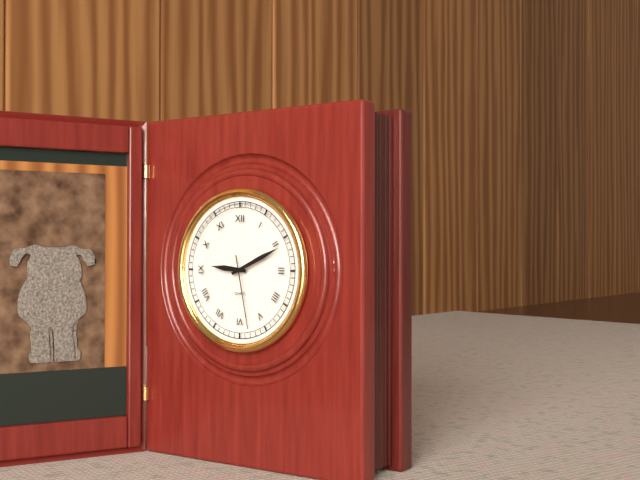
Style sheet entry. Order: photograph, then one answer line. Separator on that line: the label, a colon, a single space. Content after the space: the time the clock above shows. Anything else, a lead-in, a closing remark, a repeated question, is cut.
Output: 9:11:28
